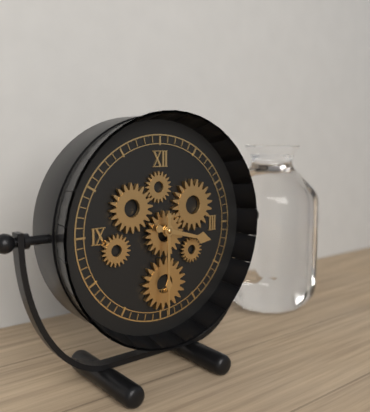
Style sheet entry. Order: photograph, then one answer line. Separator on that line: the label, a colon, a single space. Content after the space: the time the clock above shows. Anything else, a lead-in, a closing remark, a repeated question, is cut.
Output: 3:30
